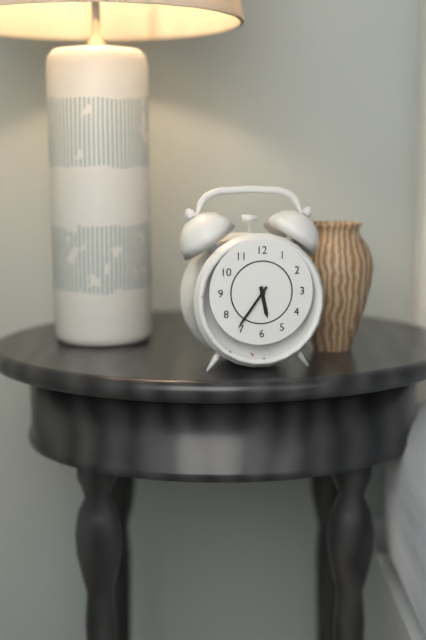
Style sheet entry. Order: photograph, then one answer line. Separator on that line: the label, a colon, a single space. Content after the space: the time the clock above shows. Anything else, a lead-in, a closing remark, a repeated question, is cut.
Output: 5:36
